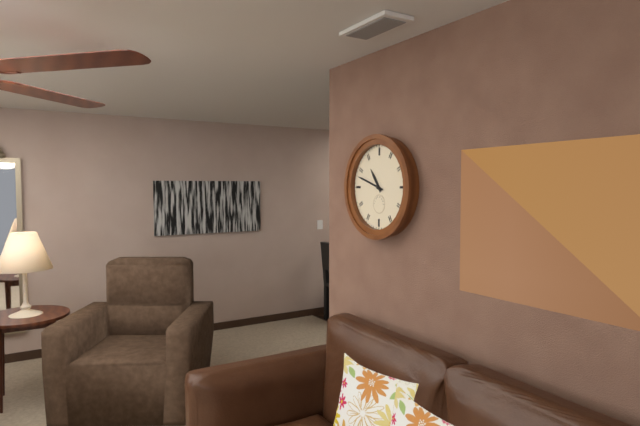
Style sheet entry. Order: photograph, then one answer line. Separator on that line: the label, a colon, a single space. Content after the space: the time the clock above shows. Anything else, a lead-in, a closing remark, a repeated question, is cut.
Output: 10:48
